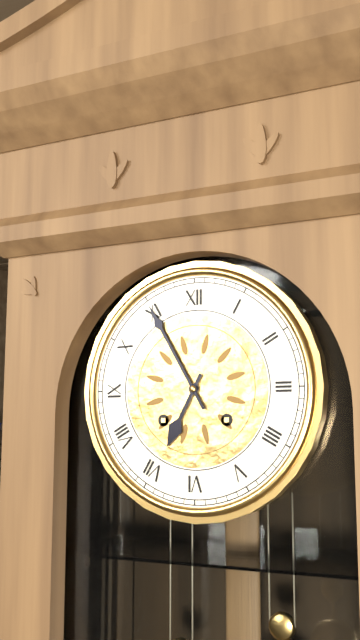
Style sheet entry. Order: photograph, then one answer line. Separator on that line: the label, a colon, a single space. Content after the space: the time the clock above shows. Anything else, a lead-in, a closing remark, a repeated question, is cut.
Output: 6:55
